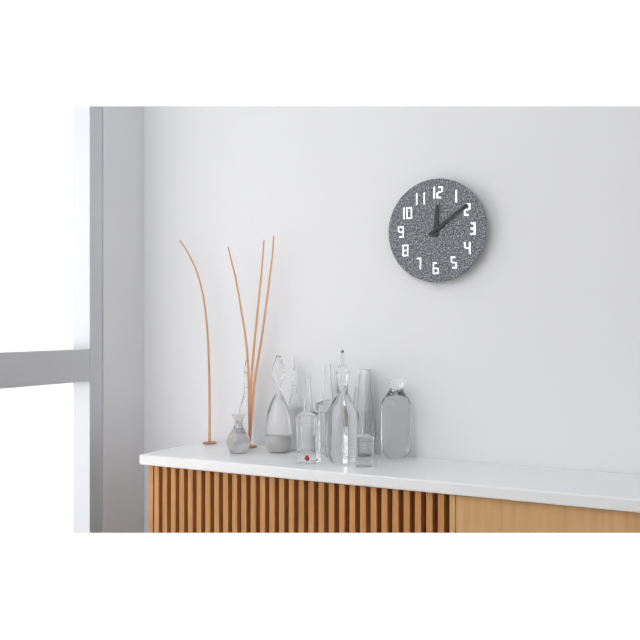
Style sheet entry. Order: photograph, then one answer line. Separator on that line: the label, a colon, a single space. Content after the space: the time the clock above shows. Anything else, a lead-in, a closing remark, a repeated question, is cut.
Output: 12:09
